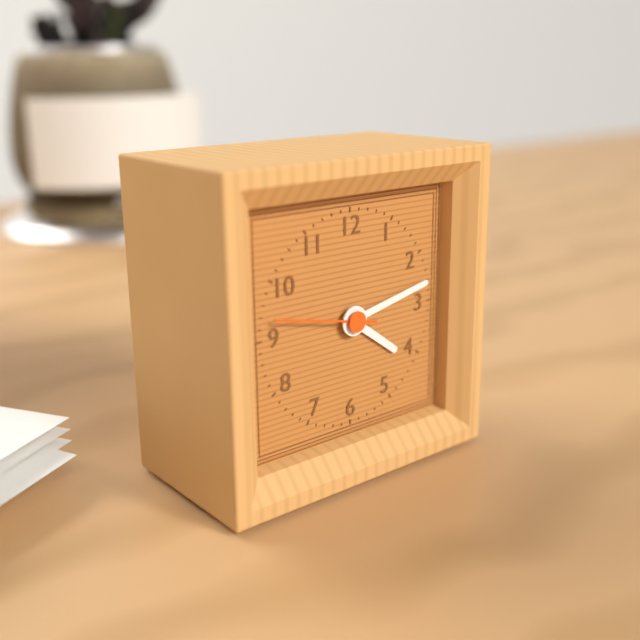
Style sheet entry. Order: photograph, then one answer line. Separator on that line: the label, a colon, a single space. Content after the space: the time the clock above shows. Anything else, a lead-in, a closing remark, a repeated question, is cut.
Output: 4:13:47
